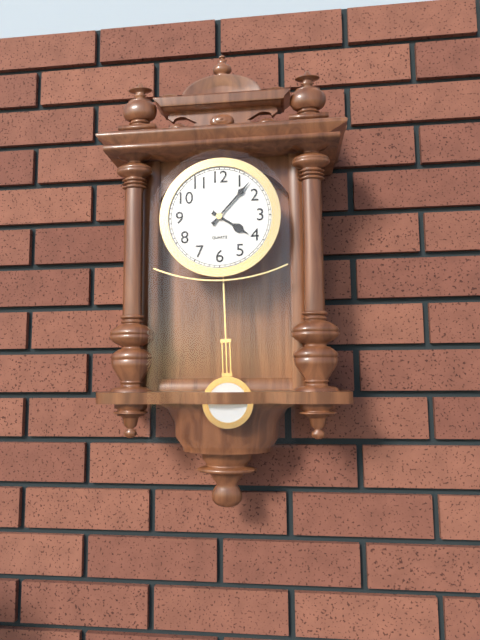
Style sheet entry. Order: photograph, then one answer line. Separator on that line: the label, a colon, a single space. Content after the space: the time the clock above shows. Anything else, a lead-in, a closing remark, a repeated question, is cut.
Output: 4:07
